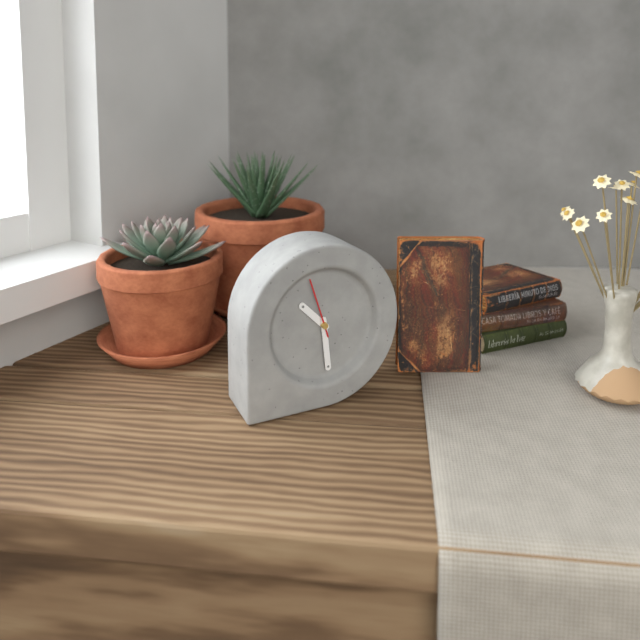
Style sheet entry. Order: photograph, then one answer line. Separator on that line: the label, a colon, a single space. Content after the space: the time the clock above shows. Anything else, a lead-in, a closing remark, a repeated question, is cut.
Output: 10:29
